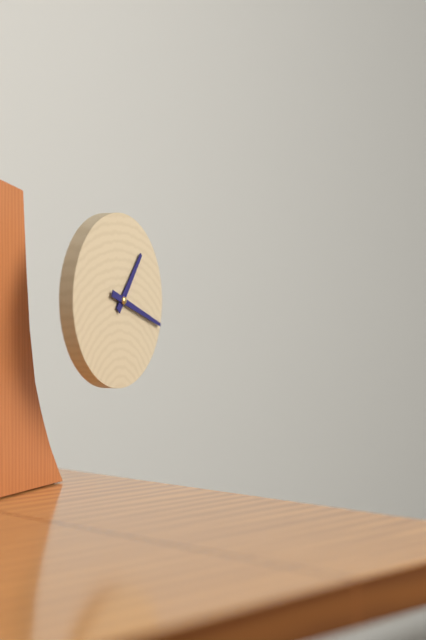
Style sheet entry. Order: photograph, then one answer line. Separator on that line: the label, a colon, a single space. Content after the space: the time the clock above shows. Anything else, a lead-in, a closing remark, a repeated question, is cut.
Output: 1:18
